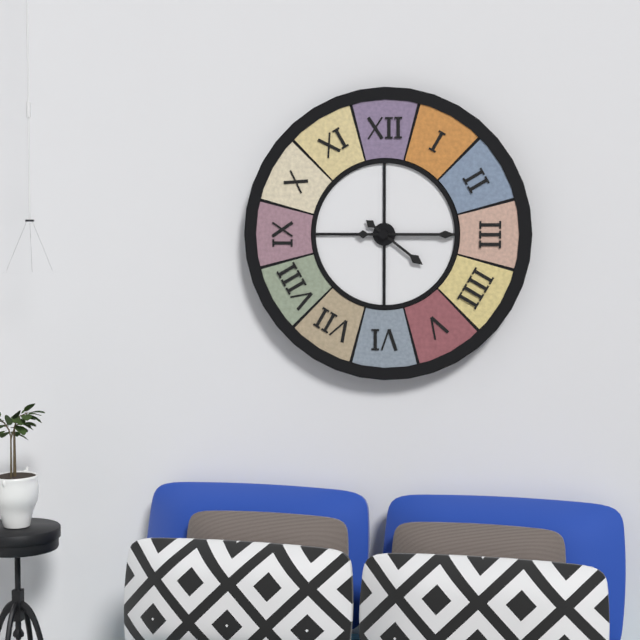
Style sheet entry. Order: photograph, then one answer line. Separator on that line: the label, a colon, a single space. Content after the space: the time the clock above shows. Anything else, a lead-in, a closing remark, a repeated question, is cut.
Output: 4:15
